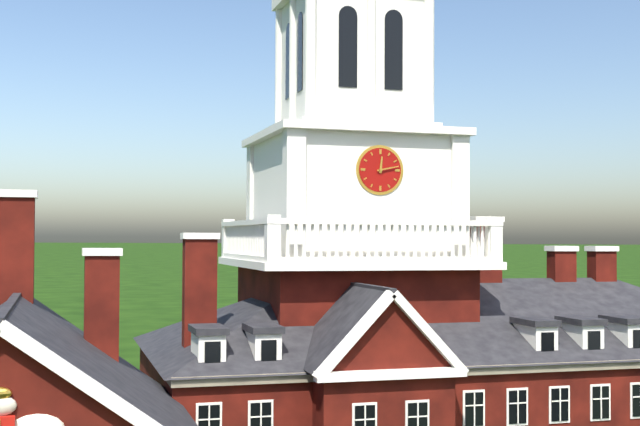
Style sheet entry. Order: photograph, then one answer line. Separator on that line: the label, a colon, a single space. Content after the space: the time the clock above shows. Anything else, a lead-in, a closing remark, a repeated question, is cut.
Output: 12:13
